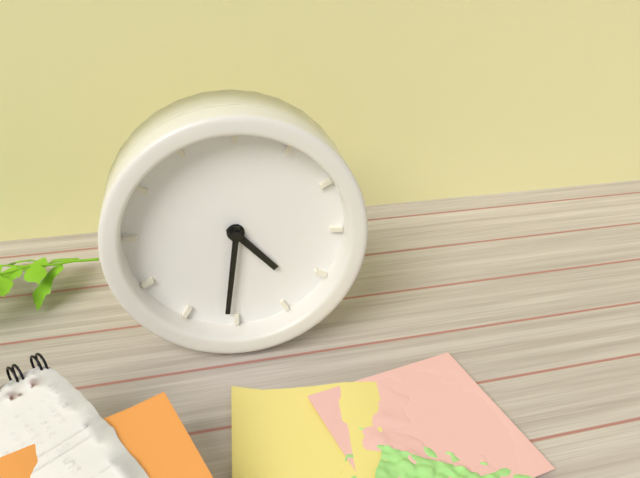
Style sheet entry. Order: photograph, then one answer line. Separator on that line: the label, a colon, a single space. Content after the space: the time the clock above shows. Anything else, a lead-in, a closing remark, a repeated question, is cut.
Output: 4:31
